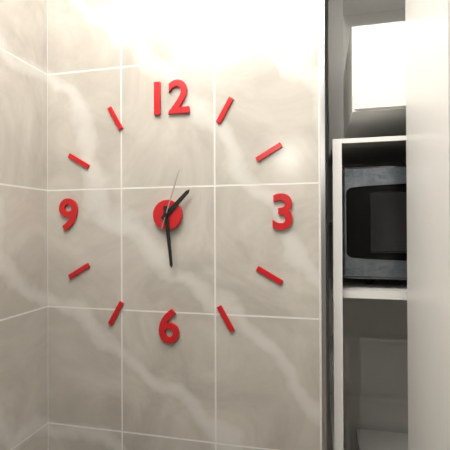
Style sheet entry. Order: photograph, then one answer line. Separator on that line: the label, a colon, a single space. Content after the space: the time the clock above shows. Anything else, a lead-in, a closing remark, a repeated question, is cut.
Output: 1:29:03
